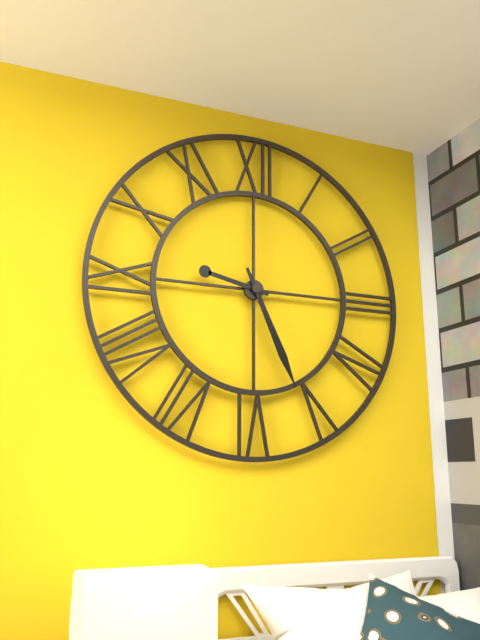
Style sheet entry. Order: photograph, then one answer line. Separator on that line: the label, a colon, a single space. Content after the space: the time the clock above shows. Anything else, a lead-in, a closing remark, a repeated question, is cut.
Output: 9:26
